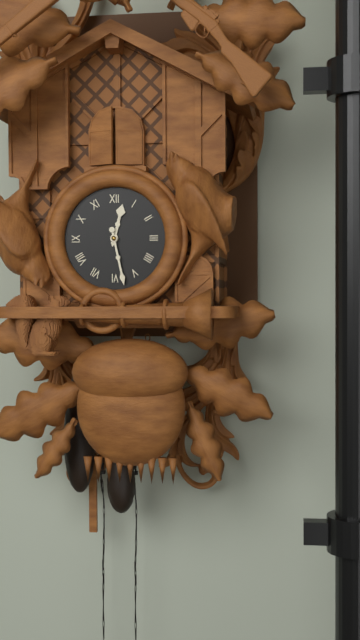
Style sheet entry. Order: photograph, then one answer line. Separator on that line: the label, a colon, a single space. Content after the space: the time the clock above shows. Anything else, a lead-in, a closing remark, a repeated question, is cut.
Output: 12:28
